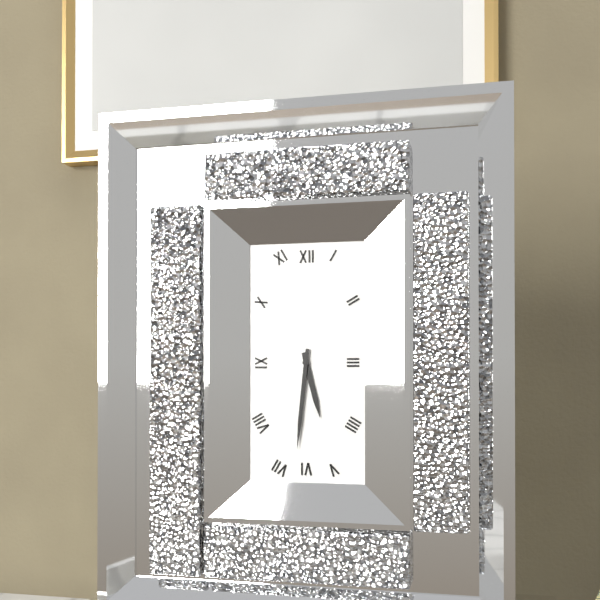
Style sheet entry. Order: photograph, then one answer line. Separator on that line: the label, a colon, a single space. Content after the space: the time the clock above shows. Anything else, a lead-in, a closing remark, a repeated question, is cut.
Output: 5:31
